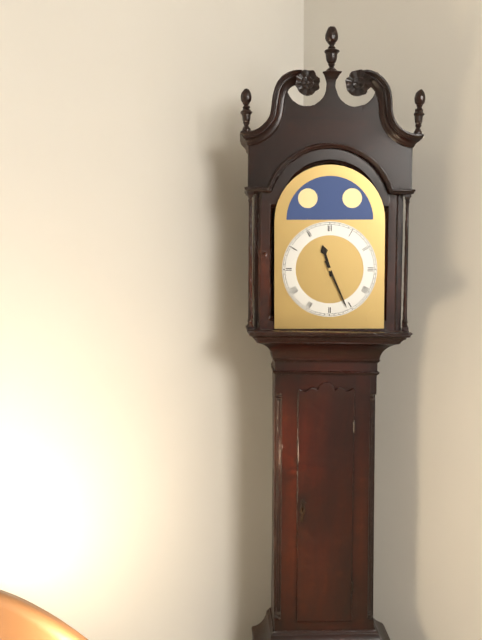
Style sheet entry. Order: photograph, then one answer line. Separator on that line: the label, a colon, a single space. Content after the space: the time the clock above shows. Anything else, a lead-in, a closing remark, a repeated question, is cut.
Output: 11:26
